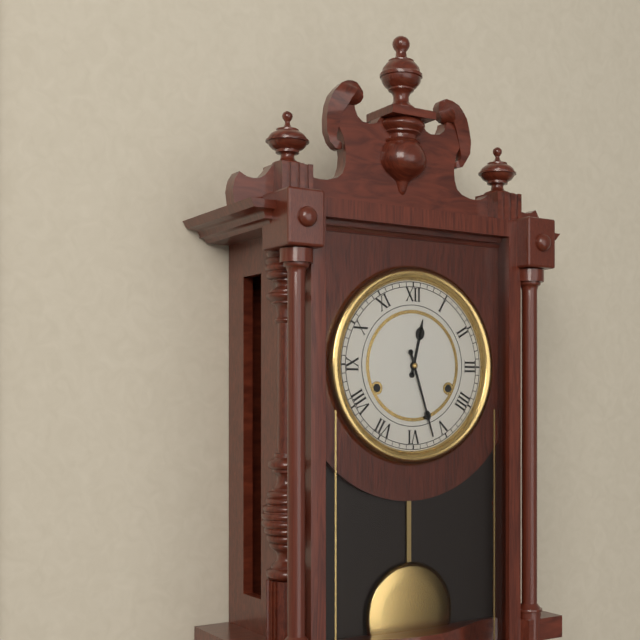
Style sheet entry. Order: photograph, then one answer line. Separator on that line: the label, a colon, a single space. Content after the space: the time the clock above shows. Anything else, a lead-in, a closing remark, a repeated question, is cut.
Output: 12:27
